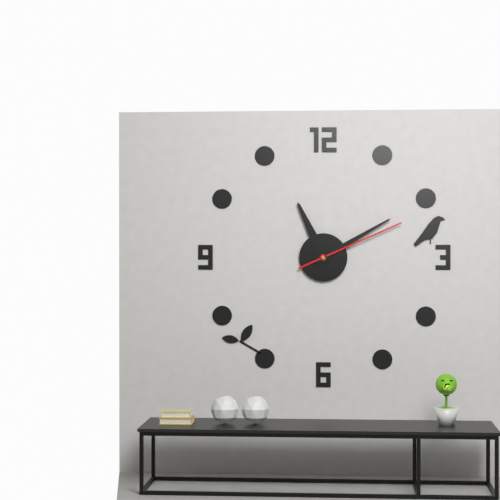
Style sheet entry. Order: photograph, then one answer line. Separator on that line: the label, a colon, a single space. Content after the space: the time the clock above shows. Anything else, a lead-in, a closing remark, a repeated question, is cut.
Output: 11:10:11
